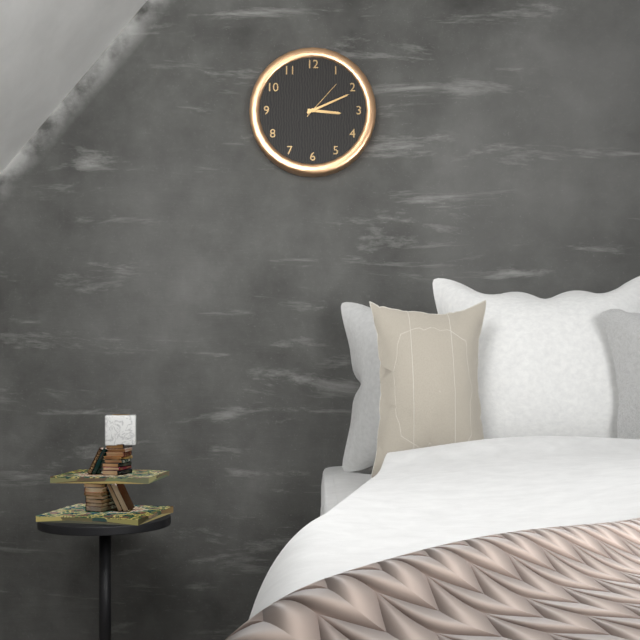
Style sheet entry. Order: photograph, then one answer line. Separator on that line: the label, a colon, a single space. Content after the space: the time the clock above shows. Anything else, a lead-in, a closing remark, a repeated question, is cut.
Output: 3:11
